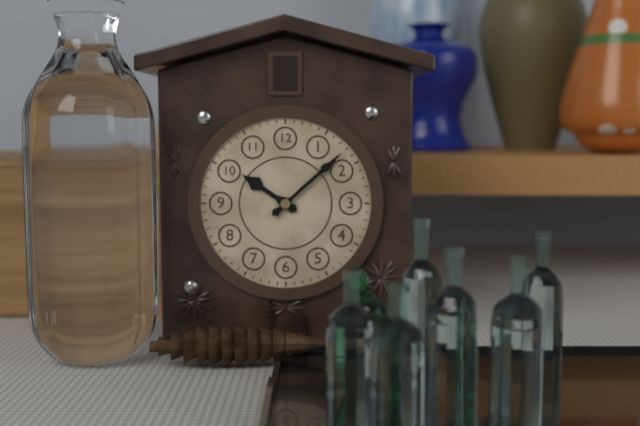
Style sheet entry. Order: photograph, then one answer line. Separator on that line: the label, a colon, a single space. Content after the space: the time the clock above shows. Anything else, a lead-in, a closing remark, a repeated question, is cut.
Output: 10:08
